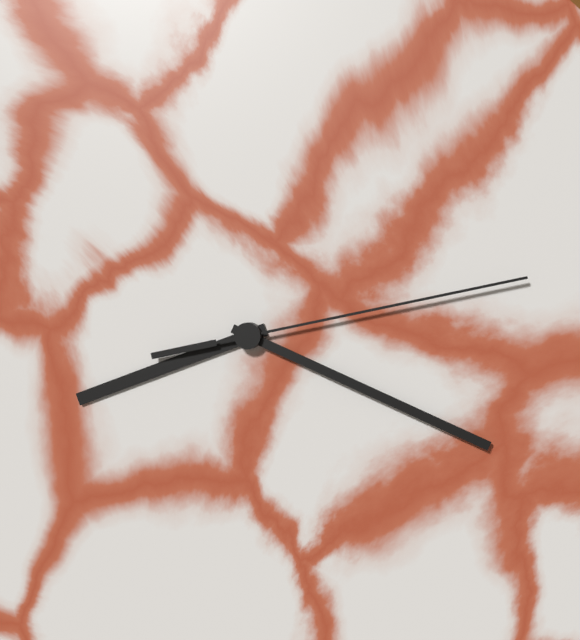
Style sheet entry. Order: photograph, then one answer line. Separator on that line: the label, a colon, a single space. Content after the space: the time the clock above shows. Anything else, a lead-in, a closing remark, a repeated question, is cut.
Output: 8:19:13
